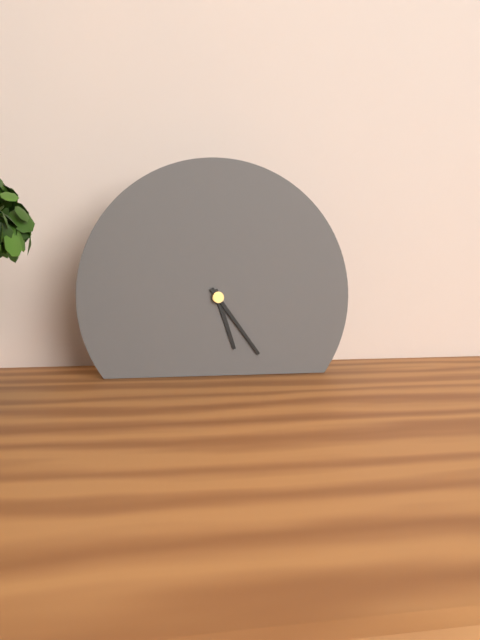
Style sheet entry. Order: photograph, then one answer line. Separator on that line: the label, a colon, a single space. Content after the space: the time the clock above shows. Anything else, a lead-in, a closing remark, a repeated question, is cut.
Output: 5:24
